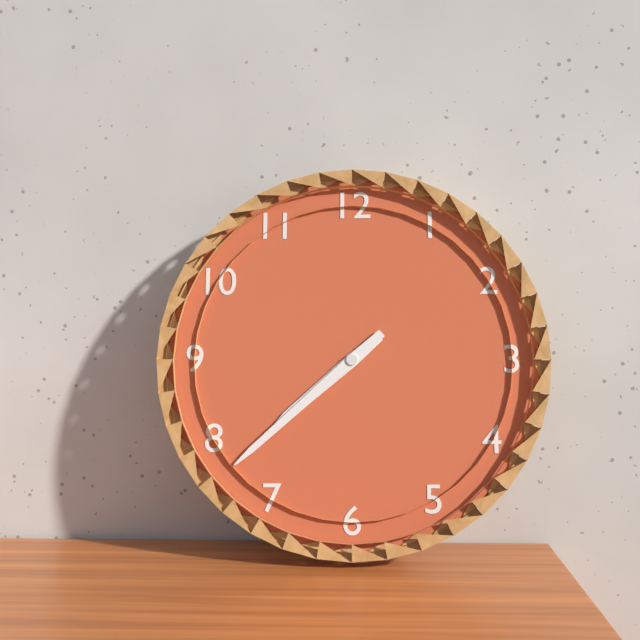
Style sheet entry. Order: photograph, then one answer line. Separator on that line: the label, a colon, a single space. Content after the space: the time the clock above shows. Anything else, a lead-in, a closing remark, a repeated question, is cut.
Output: 7:38
